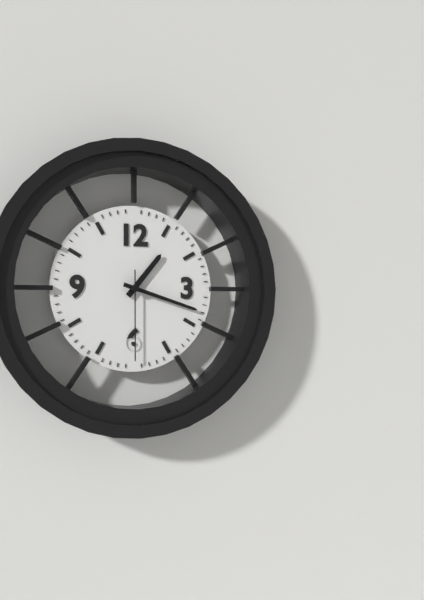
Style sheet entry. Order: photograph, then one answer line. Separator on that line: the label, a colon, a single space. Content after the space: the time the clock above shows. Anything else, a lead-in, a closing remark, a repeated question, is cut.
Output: 1:18:30
